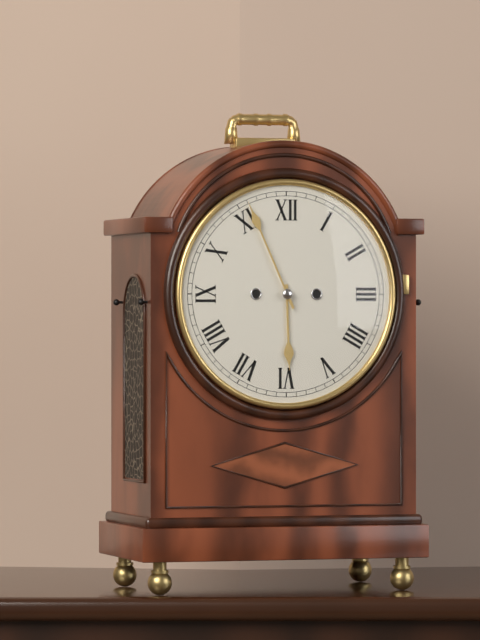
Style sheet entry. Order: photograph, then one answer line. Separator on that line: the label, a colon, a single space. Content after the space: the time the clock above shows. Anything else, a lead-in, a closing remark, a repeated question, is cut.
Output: 5:56
